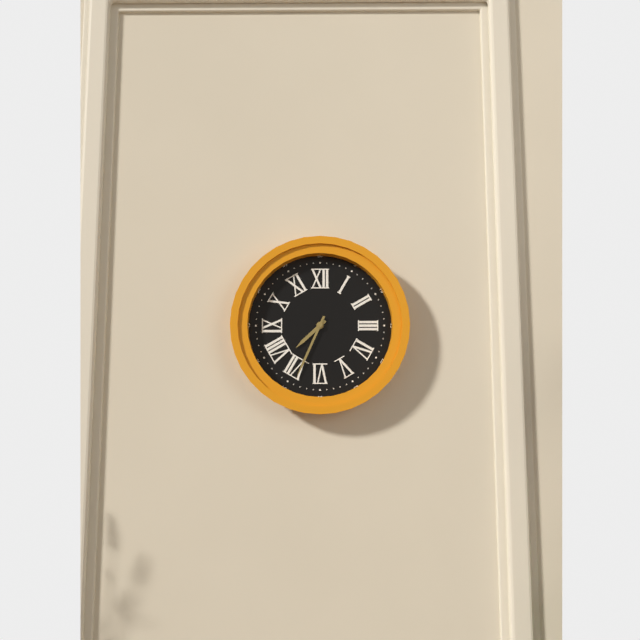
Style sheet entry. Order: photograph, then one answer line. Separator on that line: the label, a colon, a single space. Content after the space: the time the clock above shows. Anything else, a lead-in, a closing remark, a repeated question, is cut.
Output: 7:34
